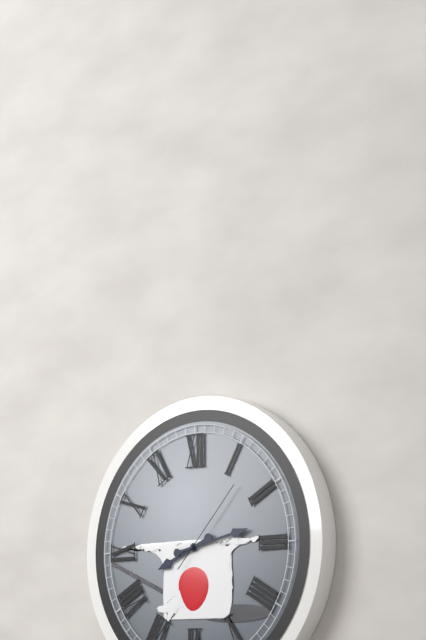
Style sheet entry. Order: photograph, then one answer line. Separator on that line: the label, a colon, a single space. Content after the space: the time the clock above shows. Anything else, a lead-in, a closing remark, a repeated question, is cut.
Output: 8:13:07
